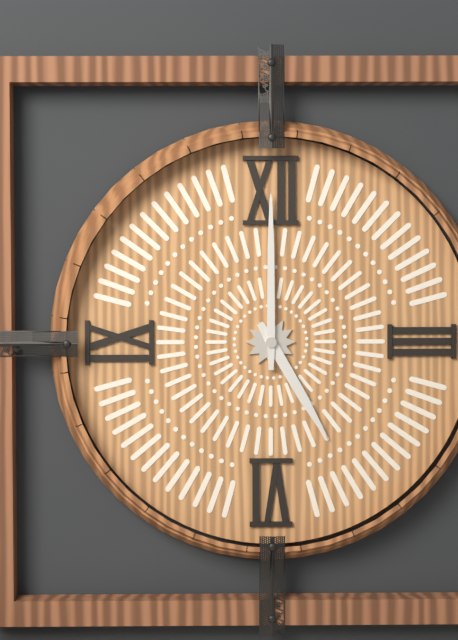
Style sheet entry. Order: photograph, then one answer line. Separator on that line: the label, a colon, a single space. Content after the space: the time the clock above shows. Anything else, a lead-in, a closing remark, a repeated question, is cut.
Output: 5:00
